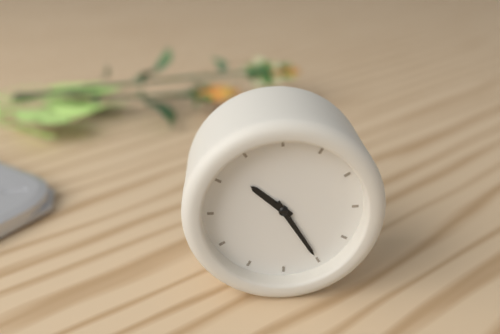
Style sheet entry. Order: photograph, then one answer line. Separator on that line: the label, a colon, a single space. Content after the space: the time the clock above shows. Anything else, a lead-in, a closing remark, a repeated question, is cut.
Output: 10:25
